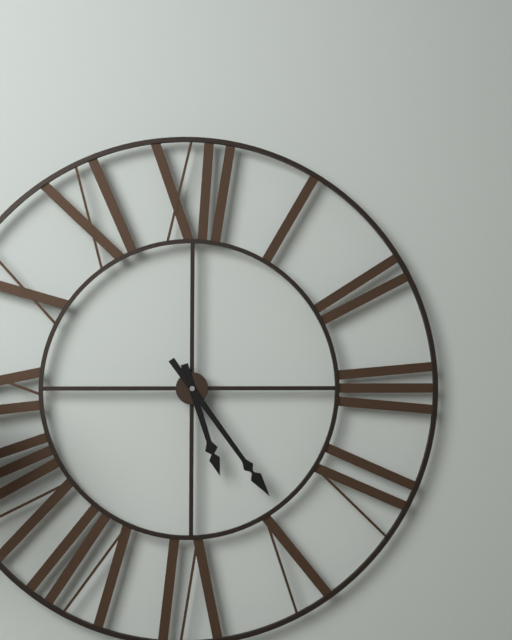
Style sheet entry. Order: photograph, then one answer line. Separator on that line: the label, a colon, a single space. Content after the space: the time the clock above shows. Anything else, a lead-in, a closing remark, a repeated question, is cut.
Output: 5:24
